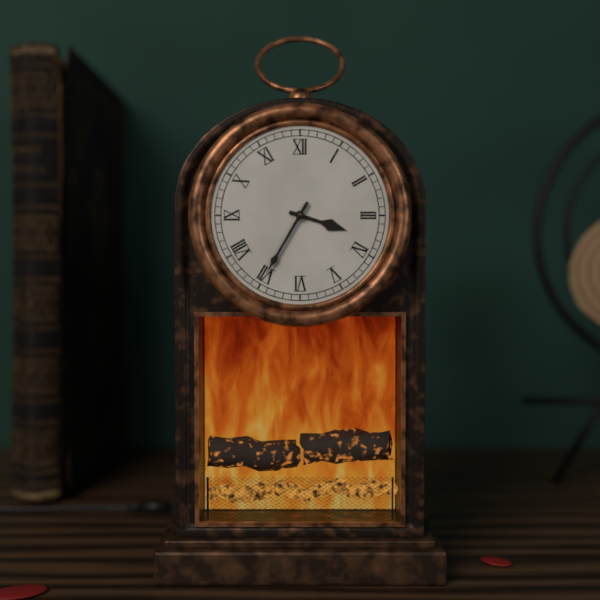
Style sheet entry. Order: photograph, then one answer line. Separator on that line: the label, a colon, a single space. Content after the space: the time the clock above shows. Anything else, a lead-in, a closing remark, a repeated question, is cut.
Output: 3:35
